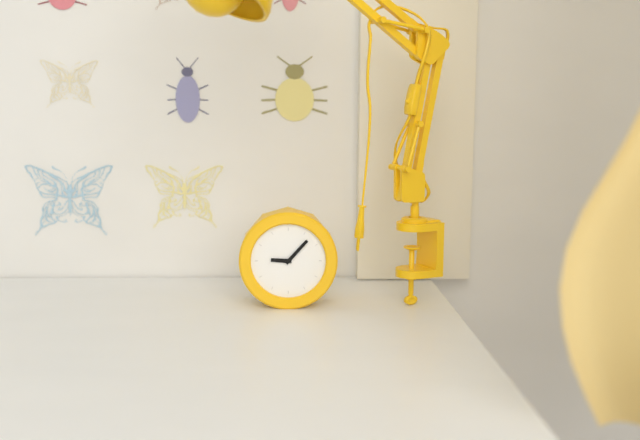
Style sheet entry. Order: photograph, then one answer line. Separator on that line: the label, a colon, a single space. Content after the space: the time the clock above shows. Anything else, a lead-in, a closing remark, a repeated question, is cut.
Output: 9:07
